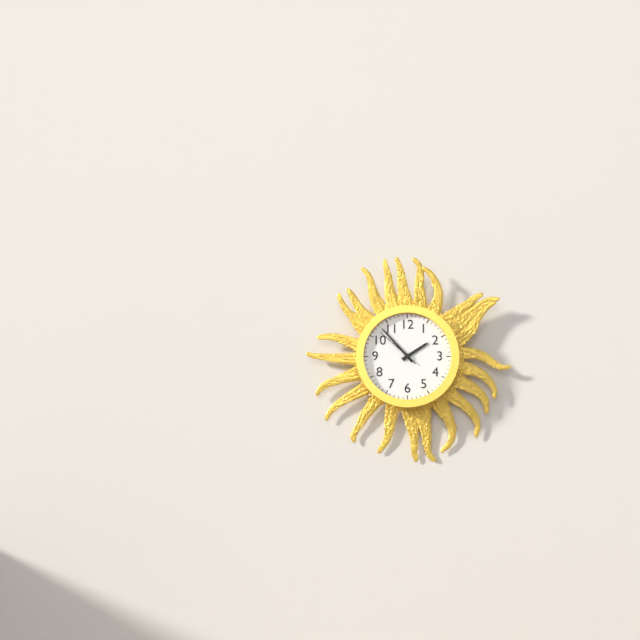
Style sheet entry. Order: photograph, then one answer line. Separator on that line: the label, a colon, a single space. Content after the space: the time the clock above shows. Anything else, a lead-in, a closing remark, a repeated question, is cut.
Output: 1:53
